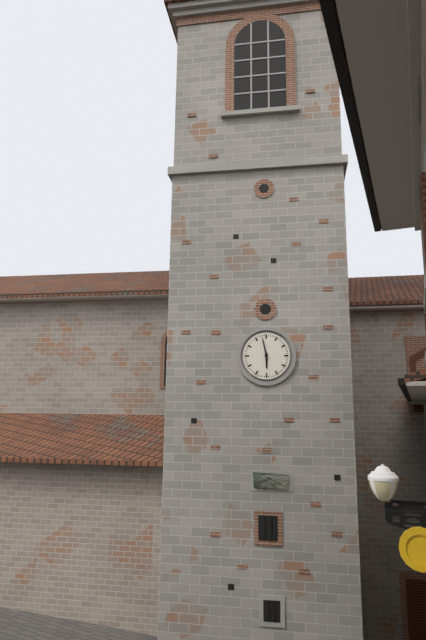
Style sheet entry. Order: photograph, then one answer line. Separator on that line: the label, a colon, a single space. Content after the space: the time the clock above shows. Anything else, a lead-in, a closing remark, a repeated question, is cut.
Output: 5:58
